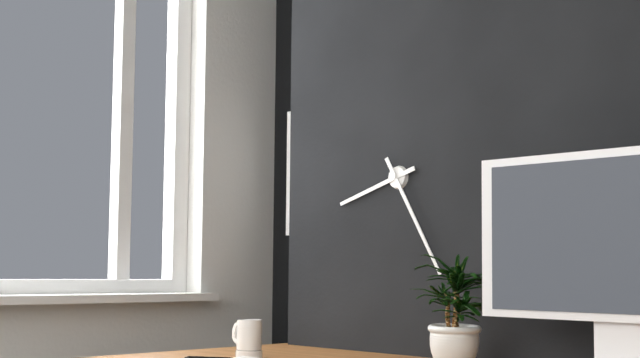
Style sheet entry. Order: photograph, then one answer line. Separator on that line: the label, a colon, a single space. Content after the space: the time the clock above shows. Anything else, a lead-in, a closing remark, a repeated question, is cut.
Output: 8:25
